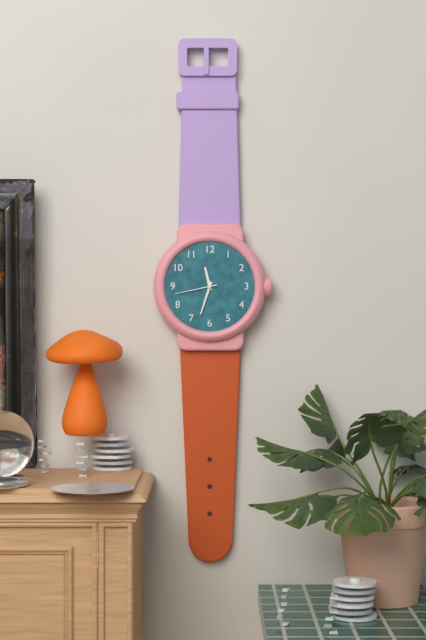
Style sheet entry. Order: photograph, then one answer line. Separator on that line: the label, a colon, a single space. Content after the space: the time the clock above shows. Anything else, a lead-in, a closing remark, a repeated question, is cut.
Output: 11:33
